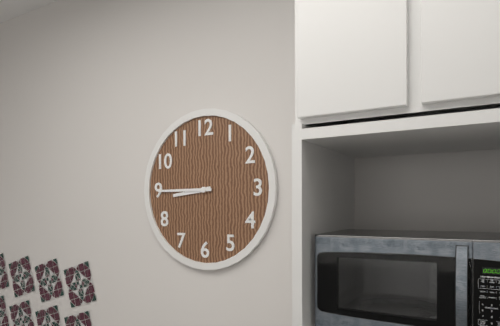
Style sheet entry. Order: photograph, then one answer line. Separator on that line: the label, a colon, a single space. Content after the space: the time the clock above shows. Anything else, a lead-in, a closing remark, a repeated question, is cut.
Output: 8:45
